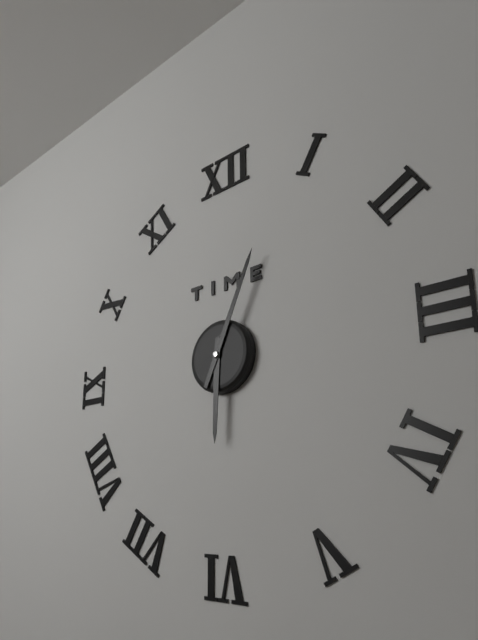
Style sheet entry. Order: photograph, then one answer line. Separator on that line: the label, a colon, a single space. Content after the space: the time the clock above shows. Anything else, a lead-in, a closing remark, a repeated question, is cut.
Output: 6:04
